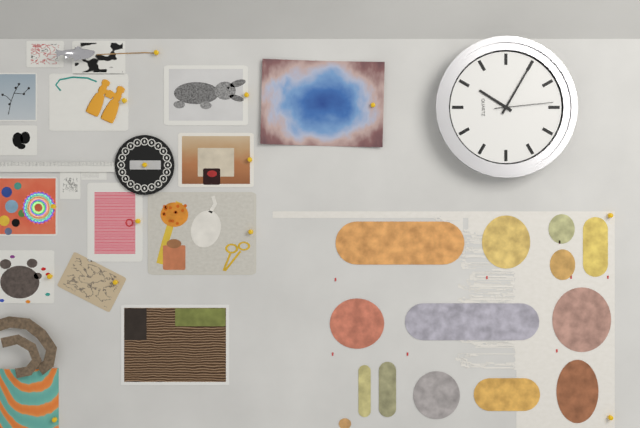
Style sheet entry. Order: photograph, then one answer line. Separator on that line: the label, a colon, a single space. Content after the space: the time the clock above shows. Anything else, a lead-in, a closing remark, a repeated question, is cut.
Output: 10:05:14
